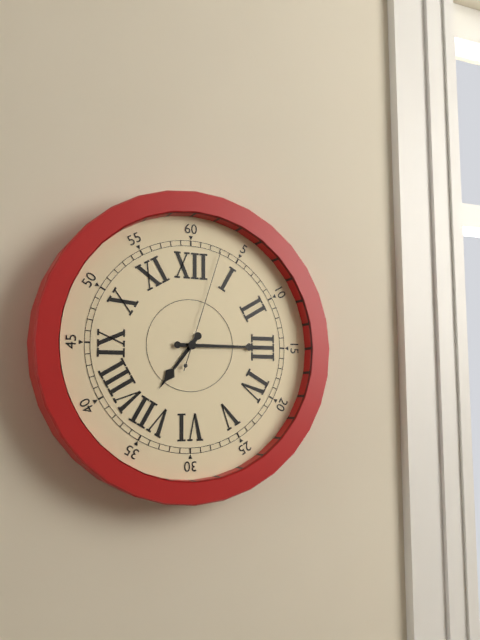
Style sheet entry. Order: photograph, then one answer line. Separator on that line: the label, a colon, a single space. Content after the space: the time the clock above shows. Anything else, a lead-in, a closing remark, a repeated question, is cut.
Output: 7:15:03
